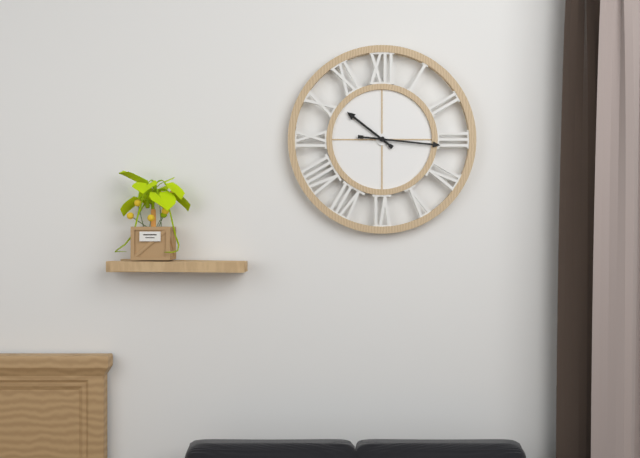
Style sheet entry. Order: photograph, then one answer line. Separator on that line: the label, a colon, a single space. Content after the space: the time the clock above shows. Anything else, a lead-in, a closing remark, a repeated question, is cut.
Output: 10:16
